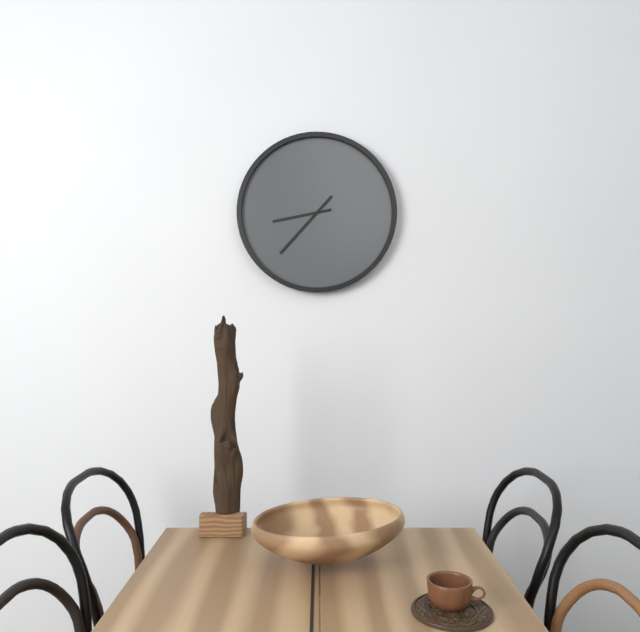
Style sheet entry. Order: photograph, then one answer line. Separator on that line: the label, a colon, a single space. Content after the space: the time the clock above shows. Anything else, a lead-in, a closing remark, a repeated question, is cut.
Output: 8:37
